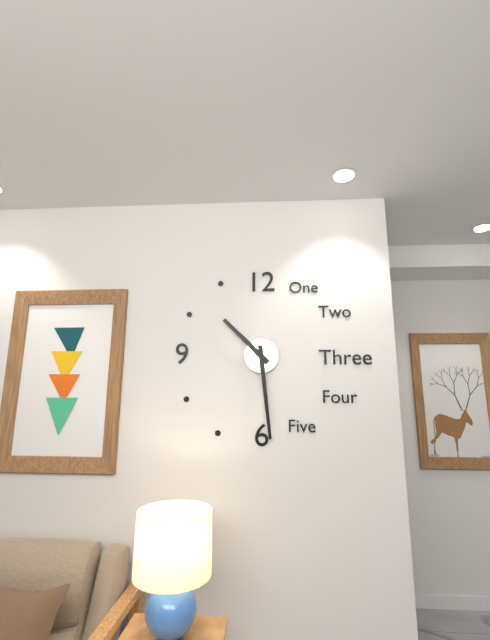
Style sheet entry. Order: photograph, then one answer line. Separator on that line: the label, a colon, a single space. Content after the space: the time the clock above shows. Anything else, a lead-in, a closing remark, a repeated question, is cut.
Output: 10:29
